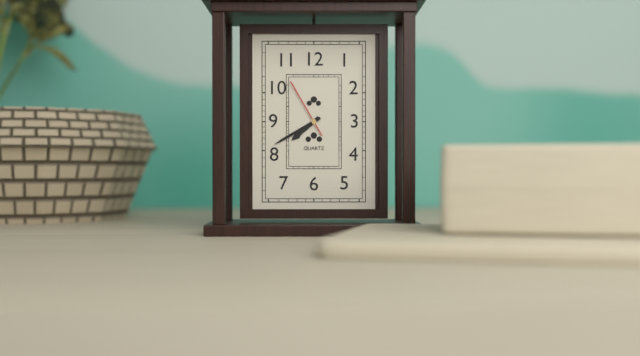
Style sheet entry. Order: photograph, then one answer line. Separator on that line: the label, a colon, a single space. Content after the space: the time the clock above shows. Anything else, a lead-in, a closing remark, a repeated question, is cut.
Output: 7:40:55
